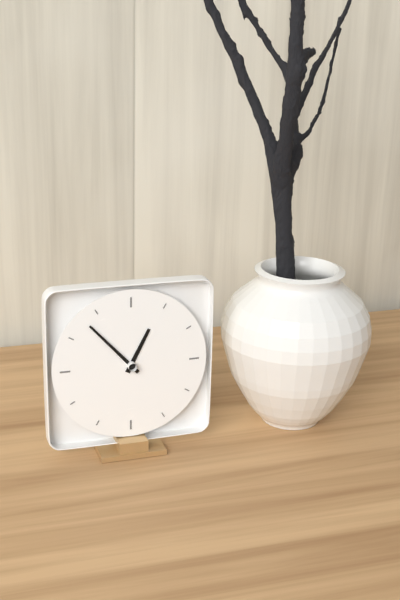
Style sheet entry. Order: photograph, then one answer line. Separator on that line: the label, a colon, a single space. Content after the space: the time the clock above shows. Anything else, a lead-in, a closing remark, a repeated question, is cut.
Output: 12:53
